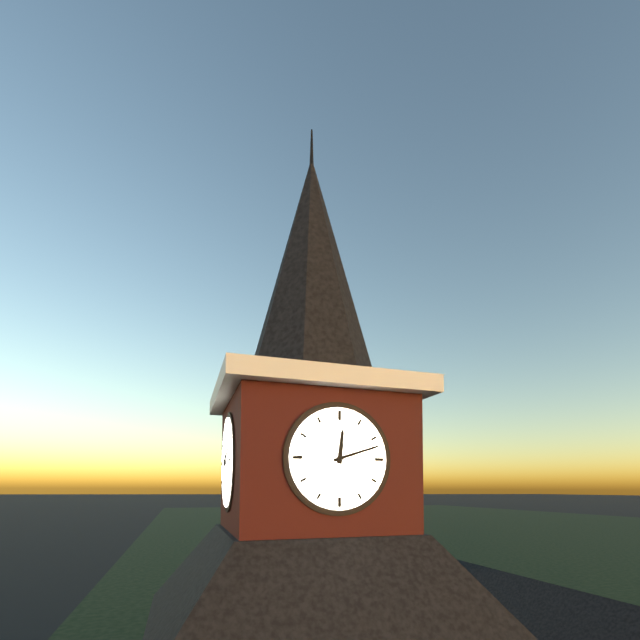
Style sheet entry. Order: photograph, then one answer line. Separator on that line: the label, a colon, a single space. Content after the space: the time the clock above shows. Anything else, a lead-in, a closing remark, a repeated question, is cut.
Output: 12:12
